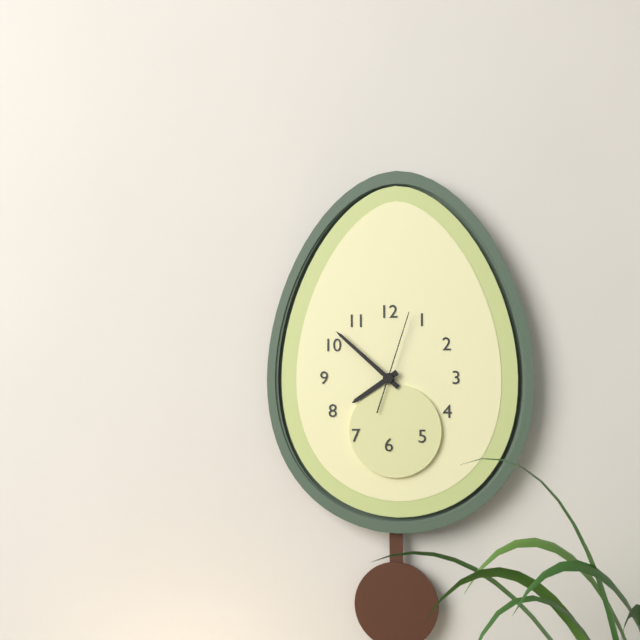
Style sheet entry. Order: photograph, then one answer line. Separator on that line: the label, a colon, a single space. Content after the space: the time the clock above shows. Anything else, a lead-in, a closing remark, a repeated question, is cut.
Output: 7:52:03
